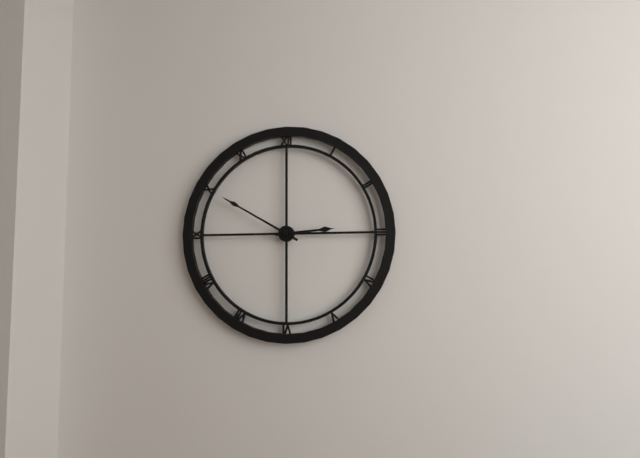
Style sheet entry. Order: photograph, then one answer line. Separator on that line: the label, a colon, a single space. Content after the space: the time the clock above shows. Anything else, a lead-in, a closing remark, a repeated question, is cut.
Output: 2:50
